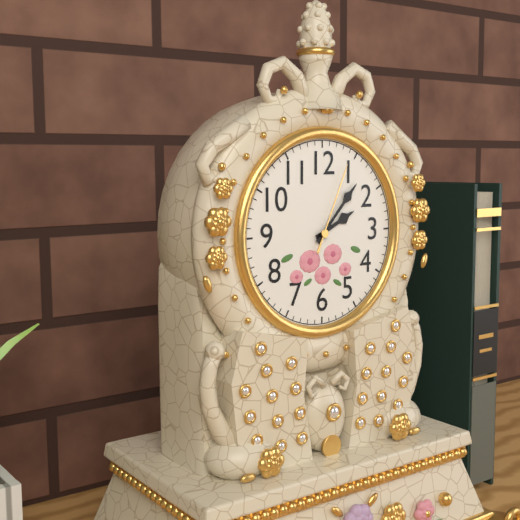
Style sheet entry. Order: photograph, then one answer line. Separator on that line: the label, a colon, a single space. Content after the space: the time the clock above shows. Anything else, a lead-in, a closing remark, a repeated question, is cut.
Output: 2:07:04
